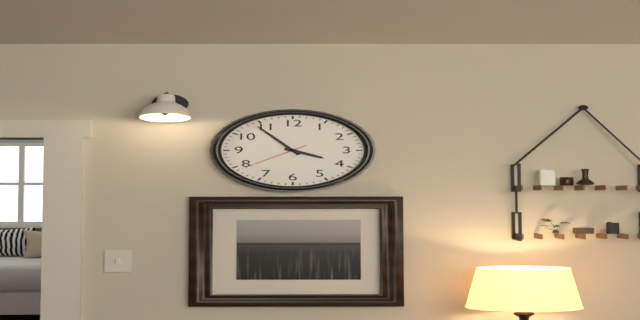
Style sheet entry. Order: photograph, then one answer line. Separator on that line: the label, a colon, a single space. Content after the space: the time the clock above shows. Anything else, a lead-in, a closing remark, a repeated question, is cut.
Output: 3:54:39
